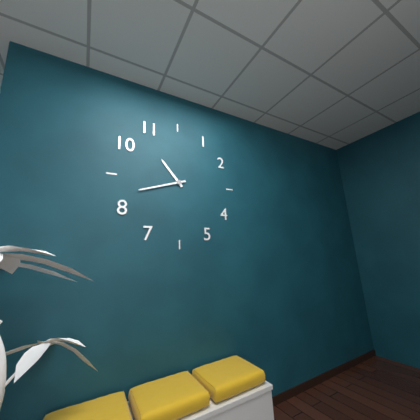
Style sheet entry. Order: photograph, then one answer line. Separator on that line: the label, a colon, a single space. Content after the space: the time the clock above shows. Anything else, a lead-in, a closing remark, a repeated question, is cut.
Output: 10:42
